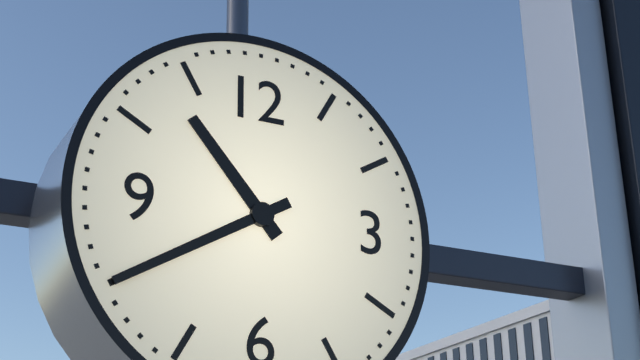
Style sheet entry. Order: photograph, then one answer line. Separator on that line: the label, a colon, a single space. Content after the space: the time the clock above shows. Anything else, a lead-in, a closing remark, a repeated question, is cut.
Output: 10:40
